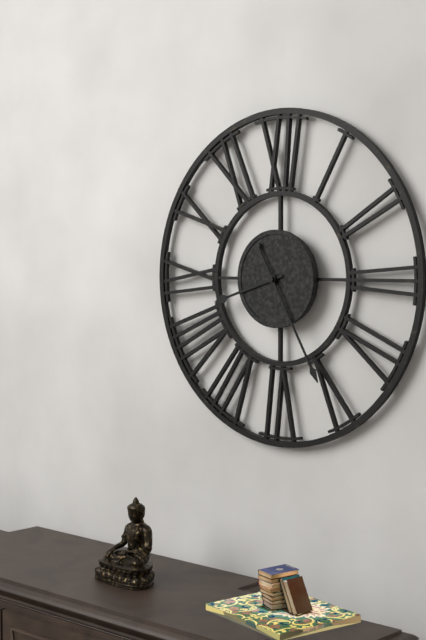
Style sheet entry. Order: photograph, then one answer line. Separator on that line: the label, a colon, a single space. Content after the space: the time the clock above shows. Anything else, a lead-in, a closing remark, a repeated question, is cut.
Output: 8:25
